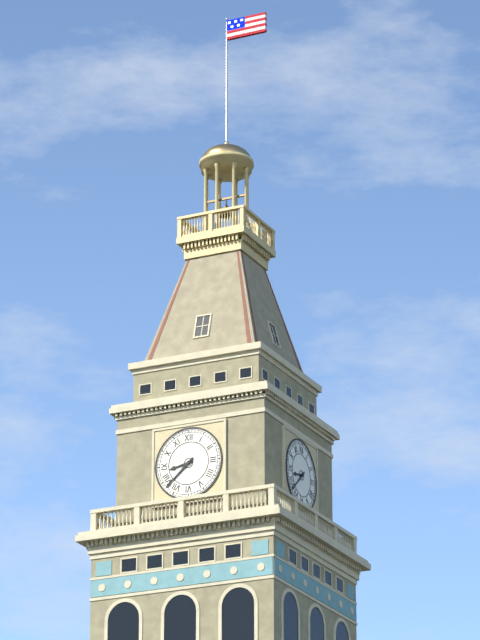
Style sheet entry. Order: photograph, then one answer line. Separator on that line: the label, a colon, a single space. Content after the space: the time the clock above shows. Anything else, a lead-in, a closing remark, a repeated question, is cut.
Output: 8:38
